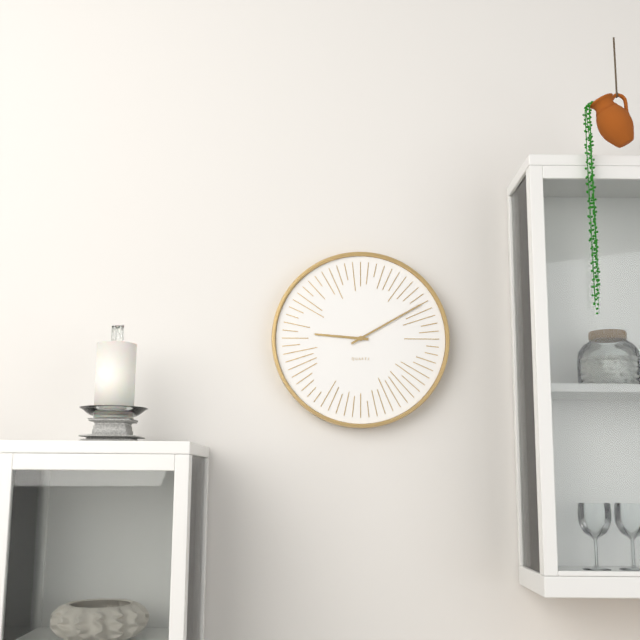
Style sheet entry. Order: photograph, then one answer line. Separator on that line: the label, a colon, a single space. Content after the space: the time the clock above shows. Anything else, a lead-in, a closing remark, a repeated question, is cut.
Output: 9:10
